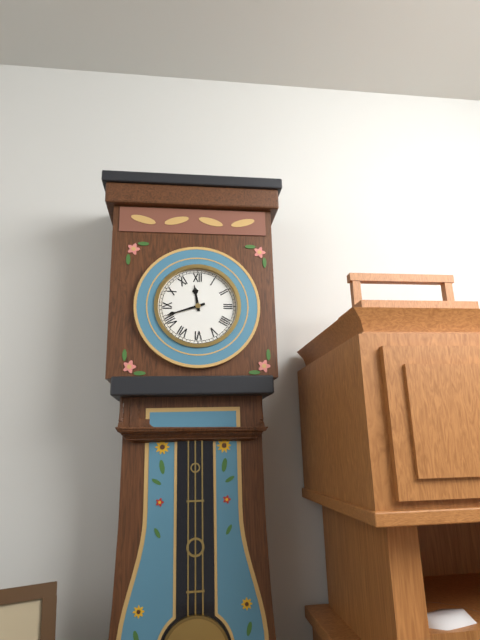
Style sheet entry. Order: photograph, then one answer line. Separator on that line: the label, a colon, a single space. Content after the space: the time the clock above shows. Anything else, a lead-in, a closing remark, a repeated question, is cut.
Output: 11:42
